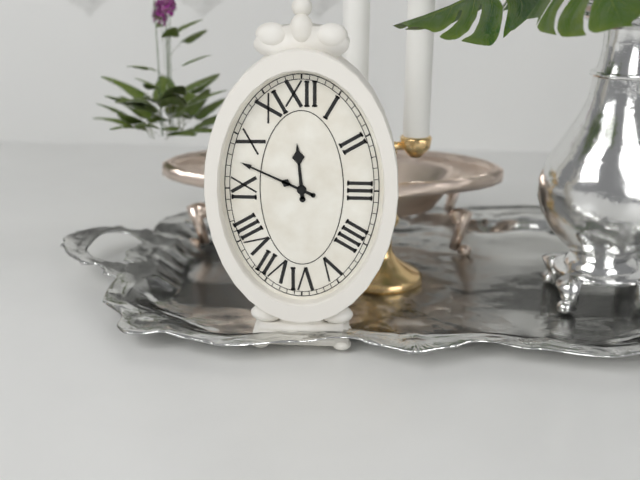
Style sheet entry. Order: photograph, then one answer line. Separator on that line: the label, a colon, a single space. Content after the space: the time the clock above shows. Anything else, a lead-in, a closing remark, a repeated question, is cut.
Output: 11:49
